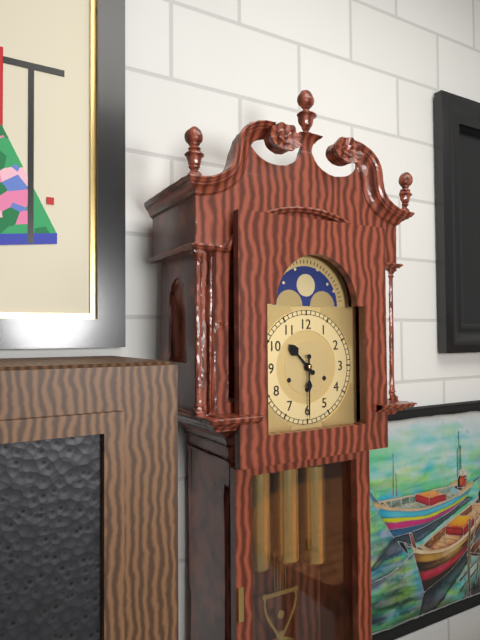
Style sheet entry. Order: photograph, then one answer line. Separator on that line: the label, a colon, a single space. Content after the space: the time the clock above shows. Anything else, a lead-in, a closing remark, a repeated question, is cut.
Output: 10:30
